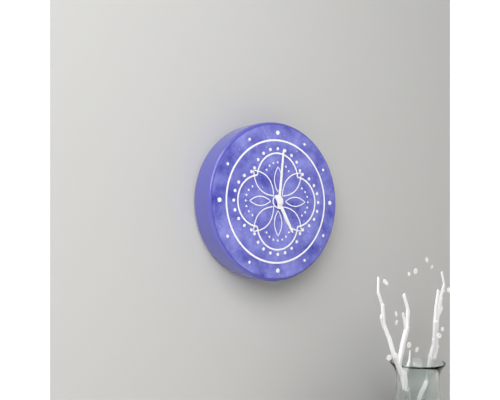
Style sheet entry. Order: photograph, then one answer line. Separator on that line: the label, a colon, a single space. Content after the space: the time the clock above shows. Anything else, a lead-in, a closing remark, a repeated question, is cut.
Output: 5:01
